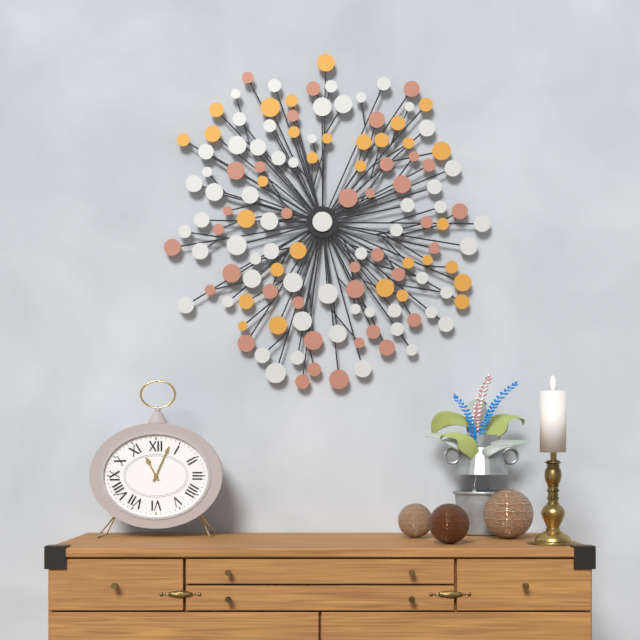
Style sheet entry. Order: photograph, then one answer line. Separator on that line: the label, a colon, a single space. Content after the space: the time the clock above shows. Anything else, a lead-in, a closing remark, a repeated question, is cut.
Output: 11:04
